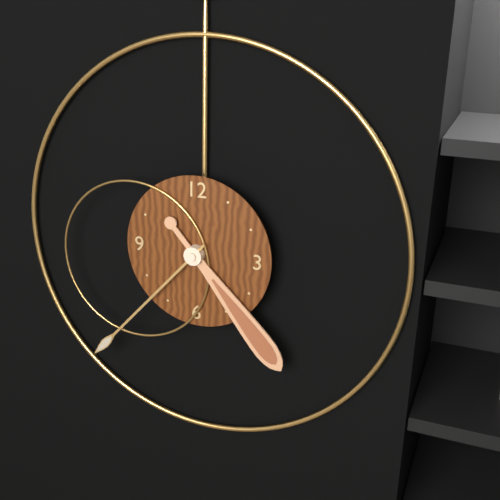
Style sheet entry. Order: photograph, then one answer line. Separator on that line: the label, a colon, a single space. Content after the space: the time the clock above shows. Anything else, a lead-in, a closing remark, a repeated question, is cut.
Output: 4:37
